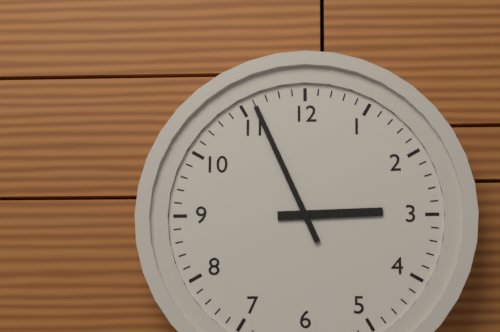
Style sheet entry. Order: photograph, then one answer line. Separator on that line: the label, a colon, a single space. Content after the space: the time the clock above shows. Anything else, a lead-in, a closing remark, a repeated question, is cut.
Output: 2:56
